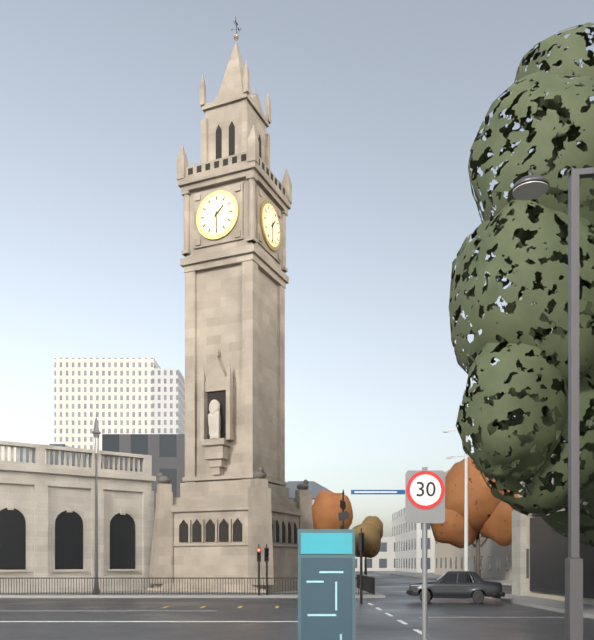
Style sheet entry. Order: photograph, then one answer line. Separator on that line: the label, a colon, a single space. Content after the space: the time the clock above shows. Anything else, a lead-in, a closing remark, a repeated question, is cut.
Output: 1:30
